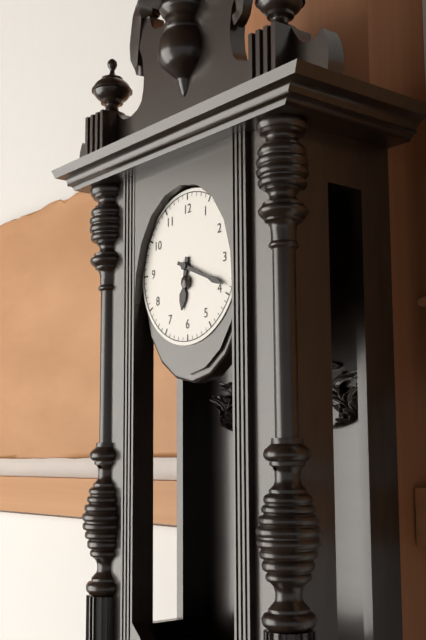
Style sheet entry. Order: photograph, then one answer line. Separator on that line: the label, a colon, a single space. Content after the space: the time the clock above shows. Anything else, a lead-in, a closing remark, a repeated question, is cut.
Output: 6:19
